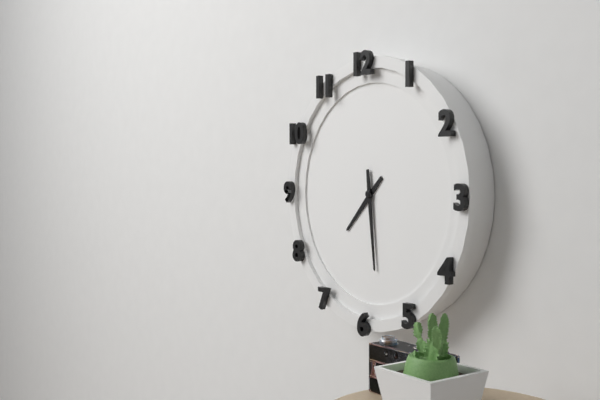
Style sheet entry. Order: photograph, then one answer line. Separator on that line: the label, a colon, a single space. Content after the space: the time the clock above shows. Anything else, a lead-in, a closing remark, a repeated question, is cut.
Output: 7:29
